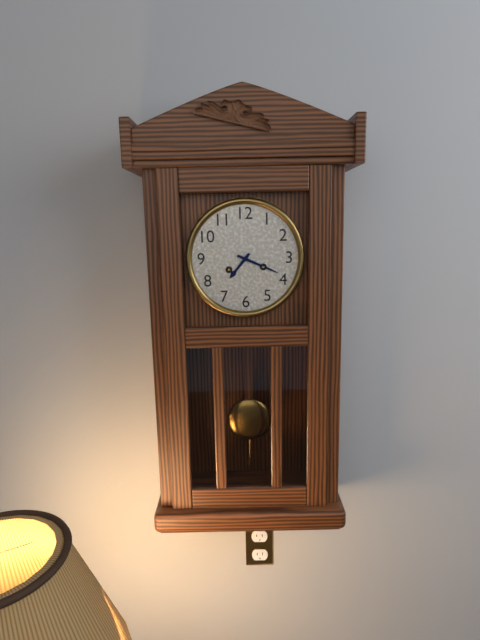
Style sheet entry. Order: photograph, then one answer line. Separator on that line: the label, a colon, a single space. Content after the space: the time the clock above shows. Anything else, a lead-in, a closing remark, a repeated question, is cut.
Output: 7:19
